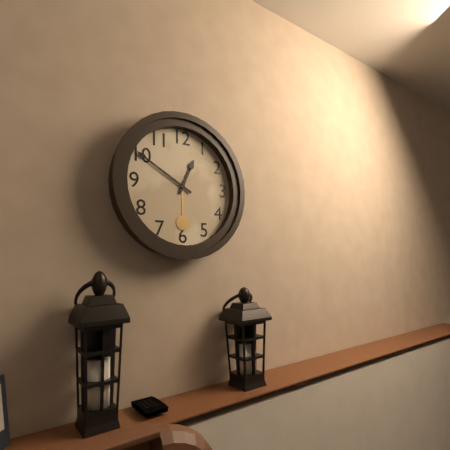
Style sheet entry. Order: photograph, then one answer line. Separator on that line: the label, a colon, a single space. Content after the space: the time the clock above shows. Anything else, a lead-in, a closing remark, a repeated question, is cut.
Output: 12:50
